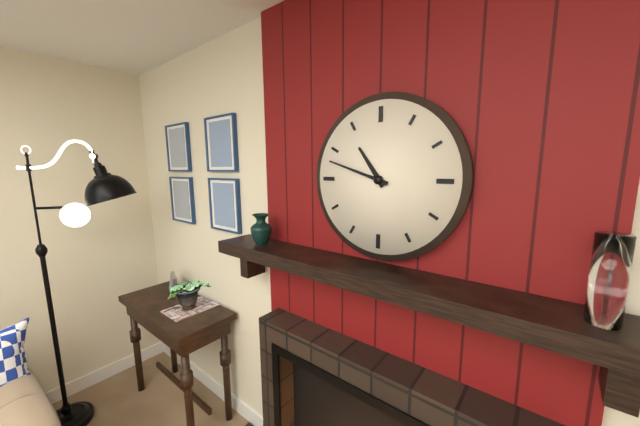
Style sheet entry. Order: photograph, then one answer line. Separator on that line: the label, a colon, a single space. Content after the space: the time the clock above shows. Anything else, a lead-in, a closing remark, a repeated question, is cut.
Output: 10:48
